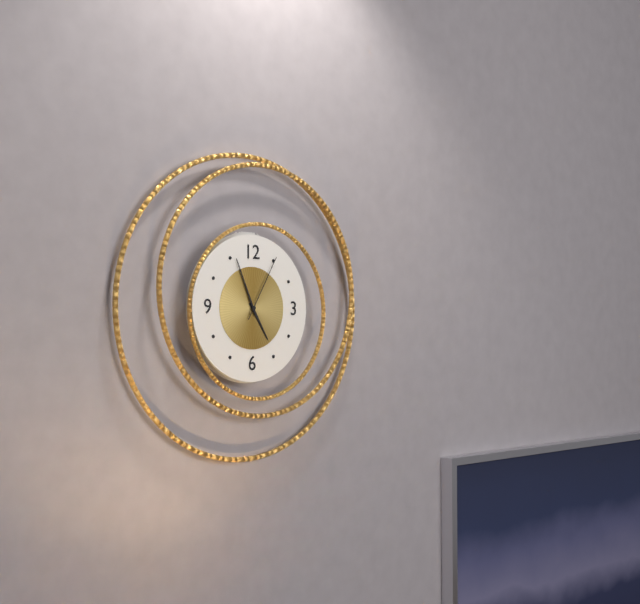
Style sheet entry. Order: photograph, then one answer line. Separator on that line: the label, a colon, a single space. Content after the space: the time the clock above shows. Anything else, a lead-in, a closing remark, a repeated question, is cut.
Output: 4:56:05
